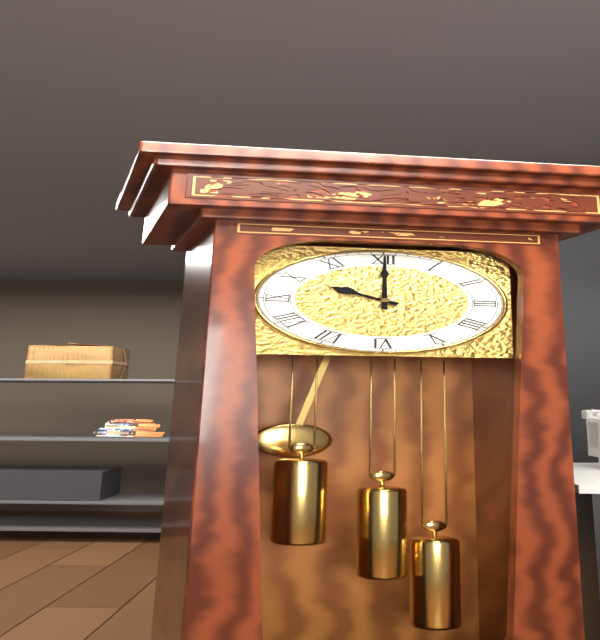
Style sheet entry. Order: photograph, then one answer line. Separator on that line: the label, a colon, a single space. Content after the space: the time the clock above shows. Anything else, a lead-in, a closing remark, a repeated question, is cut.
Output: 10:00
